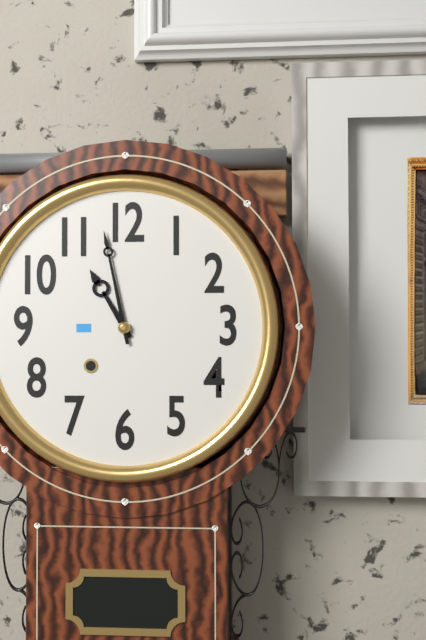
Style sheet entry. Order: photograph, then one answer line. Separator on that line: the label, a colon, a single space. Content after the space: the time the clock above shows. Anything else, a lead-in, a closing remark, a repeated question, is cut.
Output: 10:58
